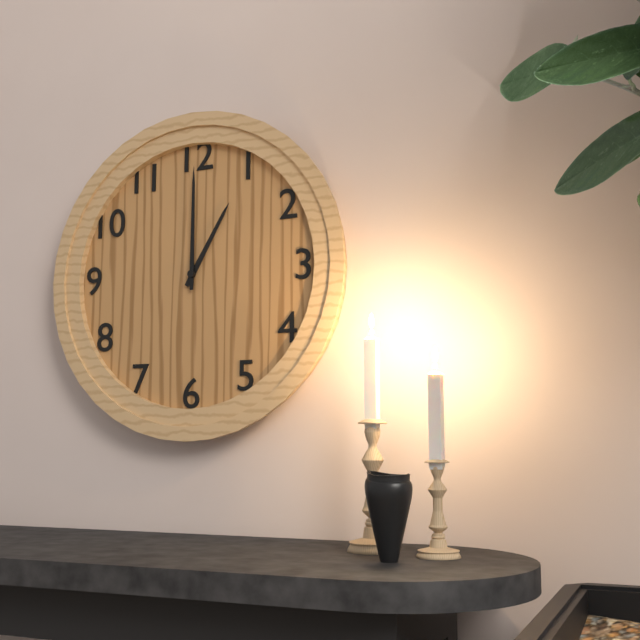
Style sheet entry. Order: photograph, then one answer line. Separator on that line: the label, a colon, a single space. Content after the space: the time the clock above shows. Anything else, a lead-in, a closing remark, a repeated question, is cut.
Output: 1:00
